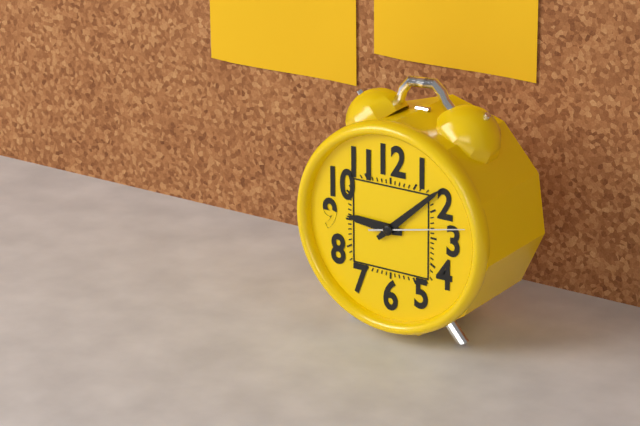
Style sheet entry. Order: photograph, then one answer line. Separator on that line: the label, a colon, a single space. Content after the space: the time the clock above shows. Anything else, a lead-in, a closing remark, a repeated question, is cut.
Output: 9:08:13
